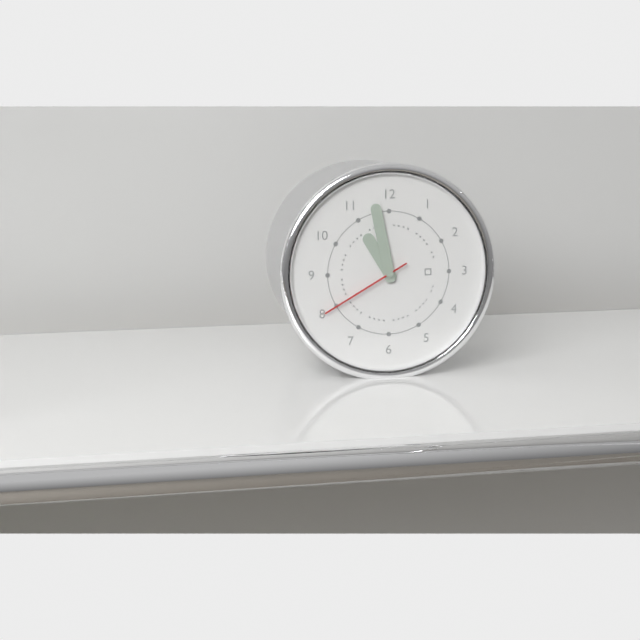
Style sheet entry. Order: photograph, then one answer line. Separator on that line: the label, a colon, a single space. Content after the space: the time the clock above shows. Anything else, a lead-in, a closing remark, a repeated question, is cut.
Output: 10:58:40
